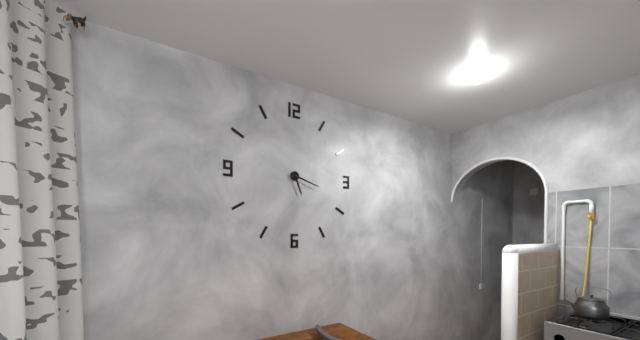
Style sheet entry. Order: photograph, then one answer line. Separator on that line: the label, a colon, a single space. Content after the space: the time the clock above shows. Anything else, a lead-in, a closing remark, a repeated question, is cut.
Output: 5:18
